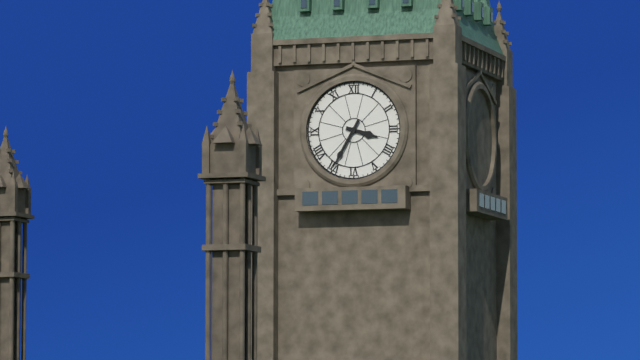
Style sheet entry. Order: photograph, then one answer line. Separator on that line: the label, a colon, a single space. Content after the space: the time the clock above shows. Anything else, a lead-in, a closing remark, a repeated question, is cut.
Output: 3:35
